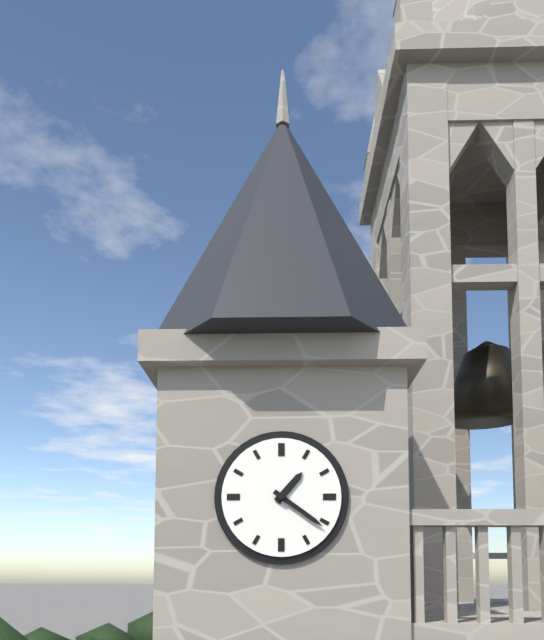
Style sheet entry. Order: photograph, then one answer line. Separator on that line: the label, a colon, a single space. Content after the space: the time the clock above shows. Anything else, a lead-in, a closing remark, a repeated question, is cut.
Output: 1:21
